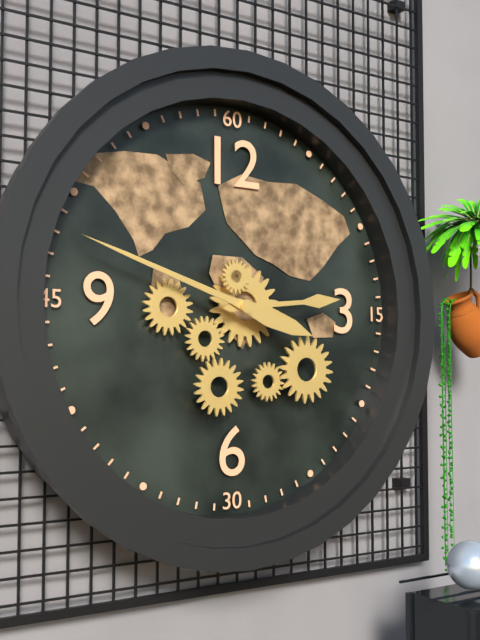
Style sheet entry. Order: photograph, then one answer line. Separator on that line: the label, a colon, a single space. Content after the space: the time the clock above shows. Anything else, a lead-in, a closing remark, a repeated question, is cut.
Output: 2:48
